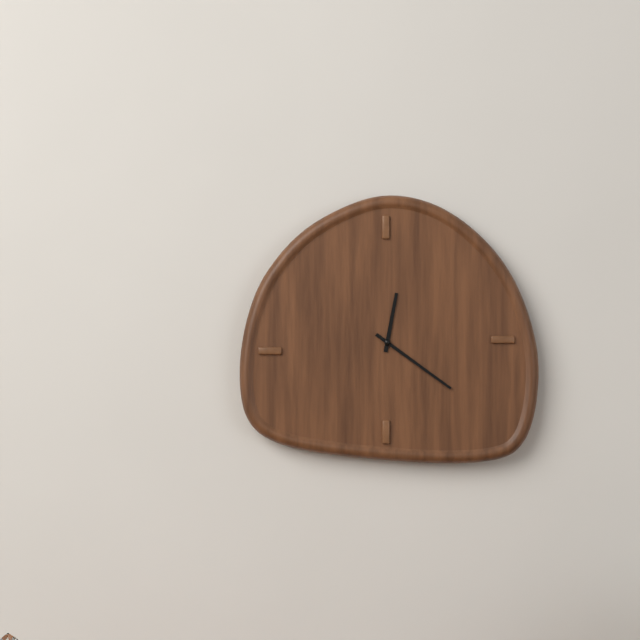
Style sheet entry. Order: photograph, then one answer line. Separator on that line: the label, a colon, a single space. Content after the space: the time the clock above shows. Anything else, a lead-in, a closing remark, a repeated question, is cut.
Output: 12:21
